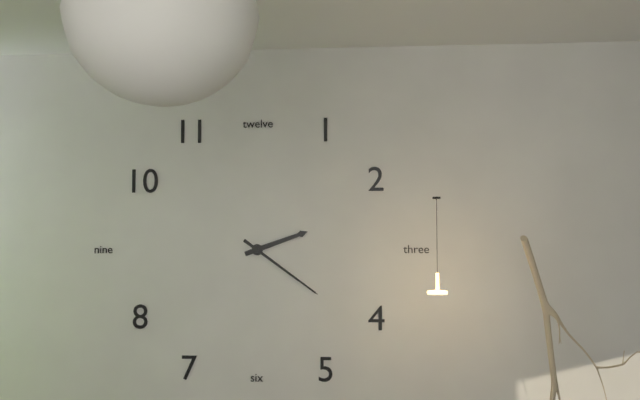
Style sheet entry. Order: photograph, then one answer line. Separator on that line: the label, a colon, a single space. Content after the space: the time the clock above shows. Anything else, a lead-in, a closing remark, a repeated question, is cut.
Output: 2:21
